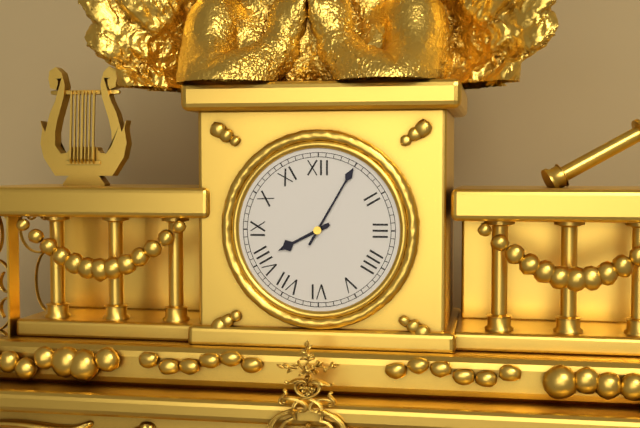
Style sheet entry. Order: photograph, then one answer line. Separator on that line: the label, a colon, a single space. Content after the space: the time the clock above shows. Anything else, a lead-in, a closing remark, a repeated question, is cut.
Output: 8:05
